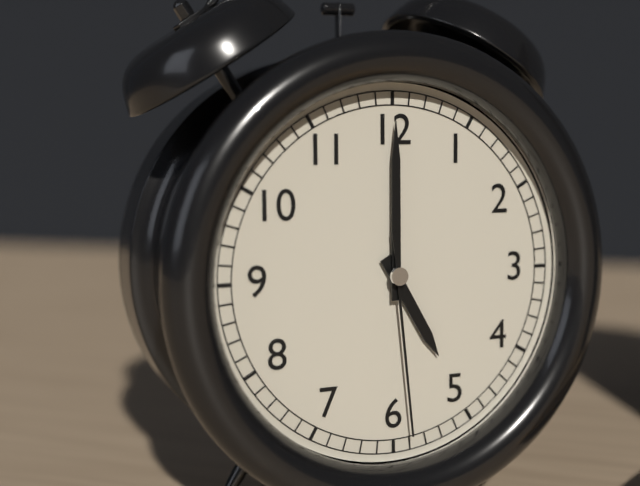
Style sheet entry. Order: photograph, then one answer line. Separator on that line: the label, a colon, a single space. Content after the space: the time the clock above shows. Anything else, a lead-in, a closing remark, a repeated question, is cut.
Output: 5:00:29
